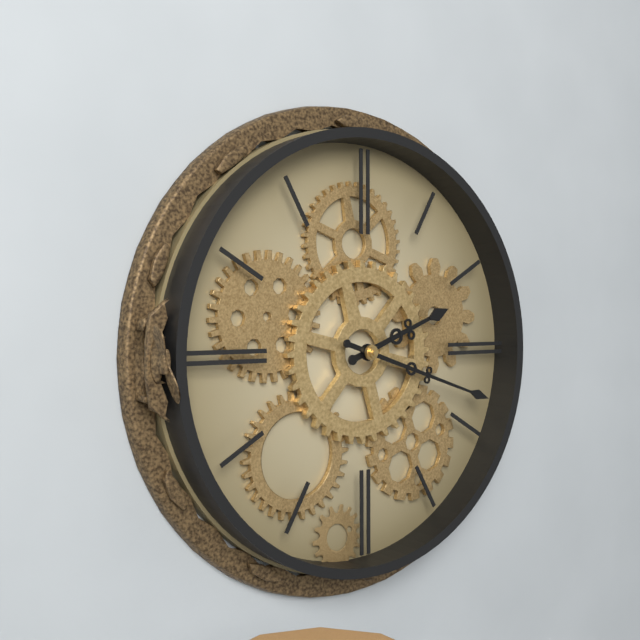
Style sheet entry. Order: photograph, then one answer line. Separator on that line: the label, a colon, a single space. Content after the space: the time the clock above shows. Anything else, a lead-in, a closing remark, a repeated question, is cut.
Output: 2:18
